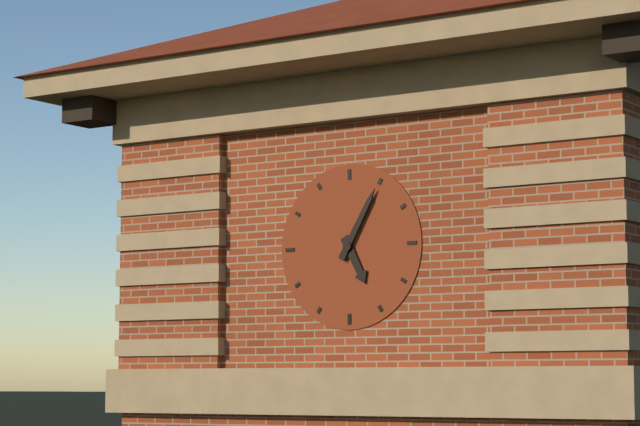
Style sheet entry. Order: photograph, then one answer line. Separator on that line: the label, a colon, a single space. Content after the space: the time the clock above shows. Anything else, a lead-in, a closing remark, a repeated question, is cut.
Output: 5:05
